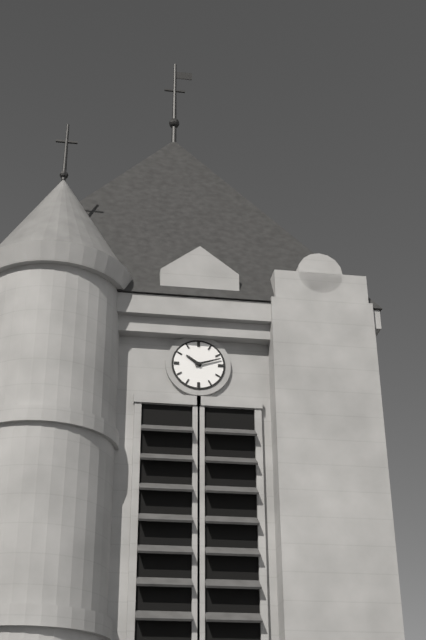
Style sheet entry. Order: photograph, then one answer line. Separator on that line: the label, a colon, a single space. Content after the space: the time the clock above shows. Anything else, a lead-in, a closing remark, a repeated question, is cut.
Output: 10:12
